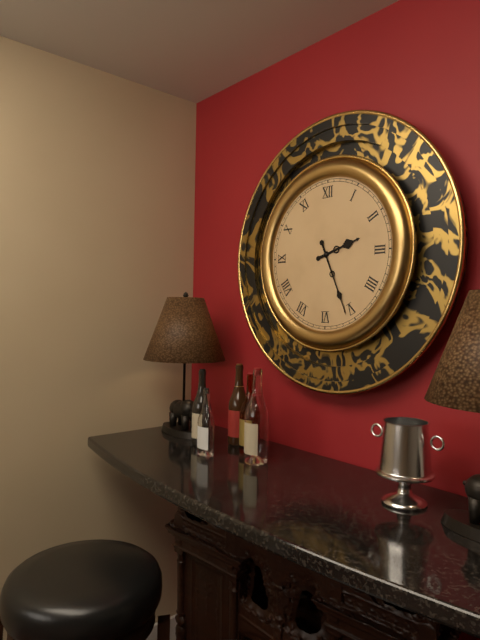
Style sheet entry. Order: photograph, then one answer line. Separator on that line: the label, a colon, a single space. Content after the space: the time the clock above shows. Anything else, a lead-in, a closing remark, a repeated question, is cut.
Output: 2:26
